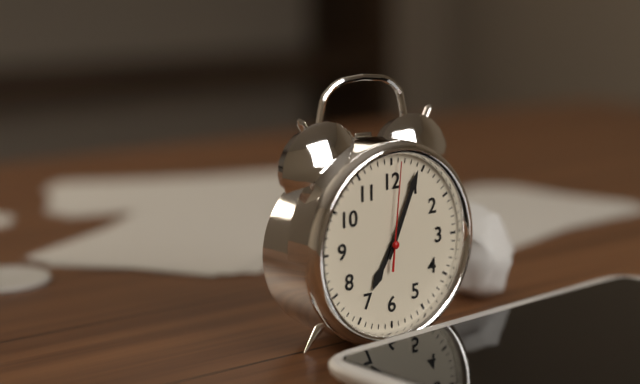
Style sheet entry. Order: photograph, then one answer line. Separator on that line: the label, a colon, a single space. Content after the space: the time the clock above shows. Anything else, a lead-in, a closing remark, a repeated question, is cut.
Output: 7:04:01
